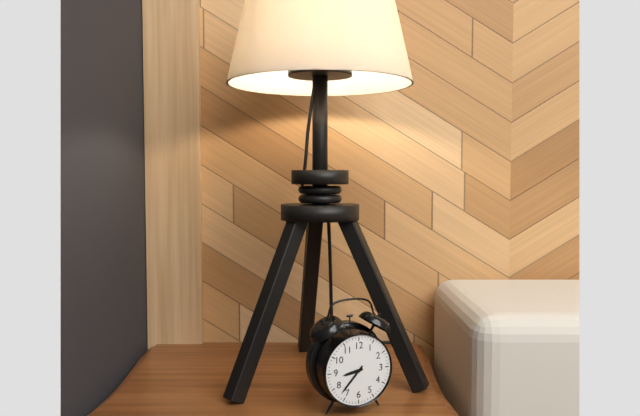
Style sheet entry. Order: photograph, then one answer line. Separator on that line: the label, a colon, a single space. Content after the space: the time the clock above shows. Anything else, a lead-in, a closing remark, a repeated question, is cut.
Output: 8:37
